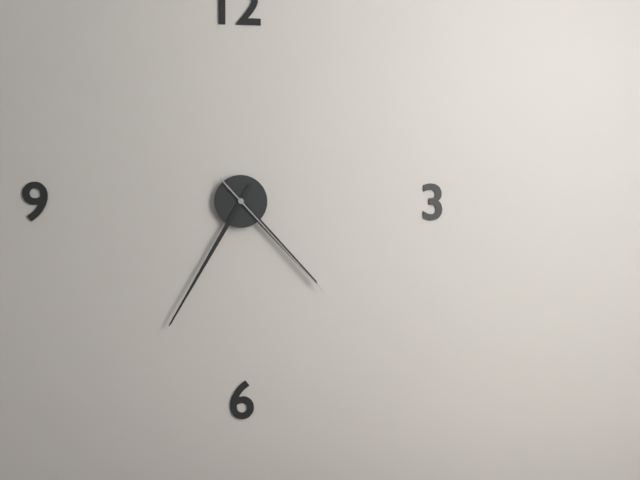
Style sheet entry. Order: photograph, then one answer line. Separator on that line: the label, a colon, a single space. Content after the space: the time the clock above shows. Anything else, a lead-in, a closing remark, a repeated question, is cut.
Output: 4:35:23
